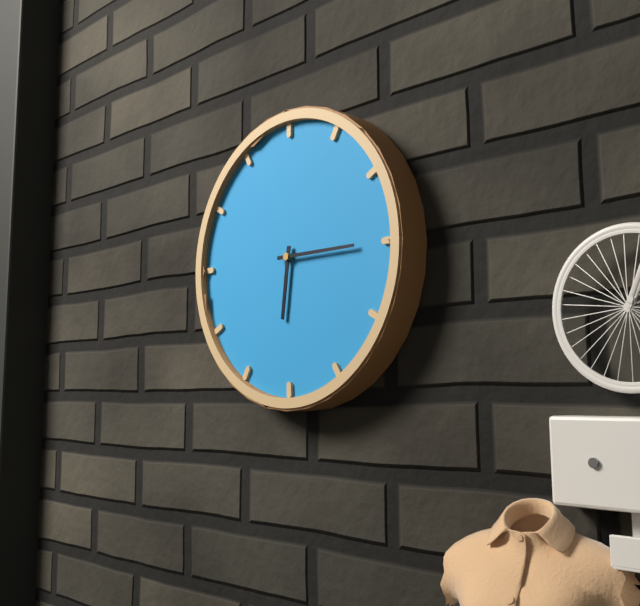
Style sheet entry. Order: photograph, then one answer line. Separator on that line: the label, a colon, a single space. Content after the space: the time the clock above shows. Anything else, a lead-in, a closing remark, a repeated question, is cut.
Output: 6:15
